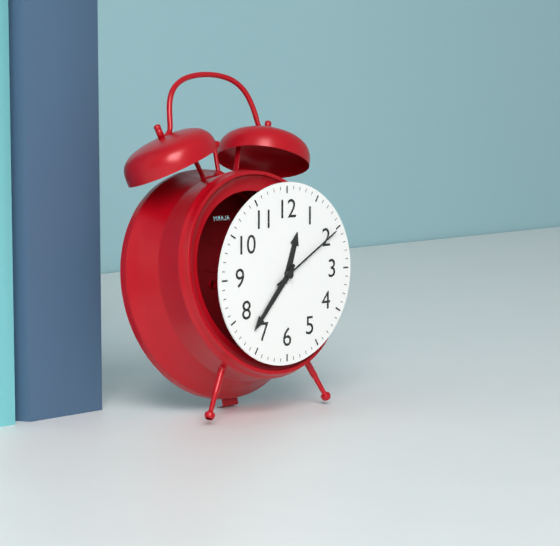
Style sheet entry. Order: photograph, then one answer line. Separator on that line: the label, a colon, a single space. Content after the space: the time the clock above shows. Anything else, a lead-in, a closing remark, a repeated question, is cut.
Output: 12:37:10
